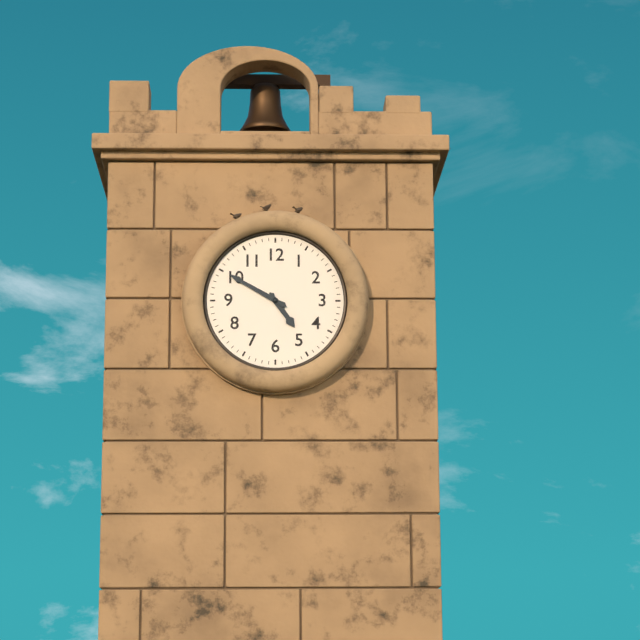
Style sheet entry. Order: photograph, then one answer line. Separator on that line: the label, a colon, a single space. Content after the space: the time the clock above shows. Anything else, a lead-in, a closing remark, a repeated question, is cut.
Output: 4:50
